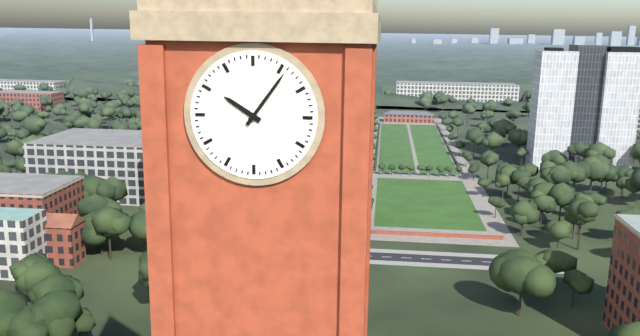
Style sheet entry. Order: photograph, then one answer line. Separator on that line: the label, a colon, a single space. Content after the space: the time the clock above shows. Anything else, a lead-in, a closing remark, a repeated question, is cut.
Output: 10:06
